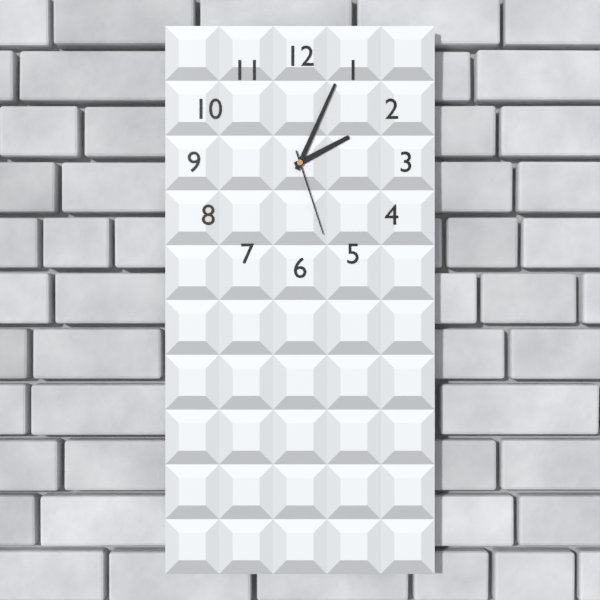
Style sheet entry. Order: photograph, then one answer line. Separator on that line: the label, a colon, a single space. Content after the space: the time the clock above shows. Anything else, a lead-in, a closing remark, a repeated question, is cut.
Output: 2:04:27
